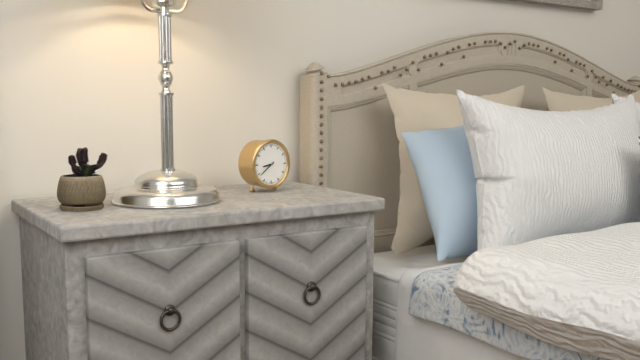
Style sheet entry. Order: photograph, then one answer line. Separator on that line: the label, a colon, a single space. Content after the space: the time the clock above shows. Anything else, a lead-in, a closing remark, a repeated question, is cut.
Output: 8:39
